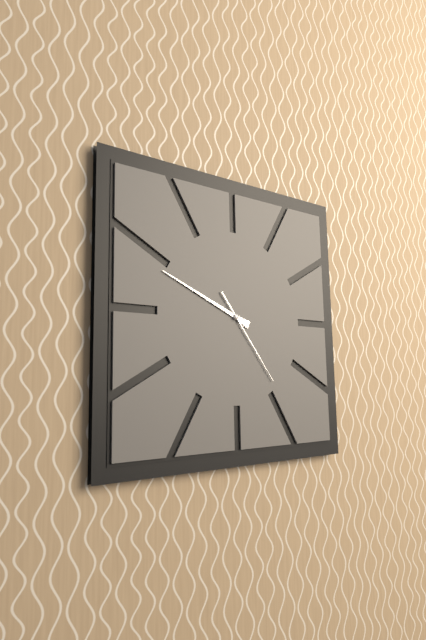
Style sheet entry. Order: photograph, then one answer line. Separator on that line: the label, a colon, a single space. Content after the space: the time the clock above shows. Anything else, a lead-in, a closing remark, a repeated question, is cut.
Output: 9:49:24
